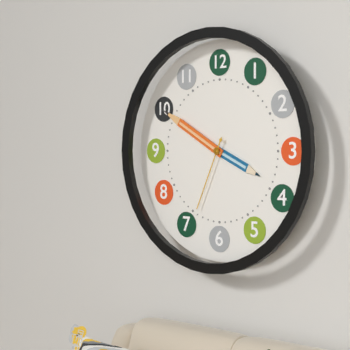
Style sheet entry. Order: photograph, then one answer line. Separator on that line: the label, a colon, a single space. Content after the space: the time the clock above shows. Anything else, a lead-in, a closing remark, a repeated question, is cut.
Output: 3:50:34
